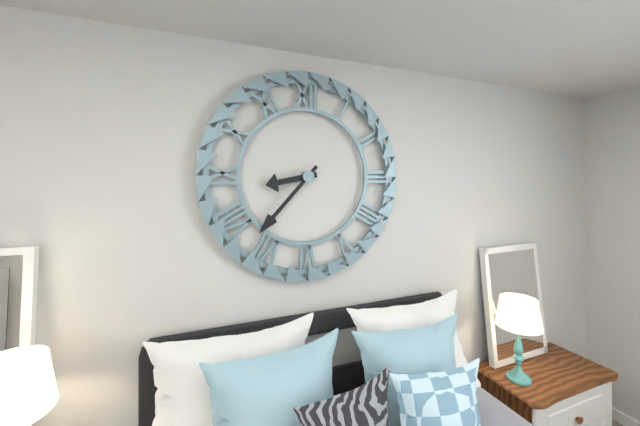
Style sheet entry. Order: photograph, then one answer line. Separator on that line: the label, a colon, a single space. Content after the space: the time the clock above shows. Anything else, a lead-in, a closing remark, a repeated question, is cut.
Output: 8:37
